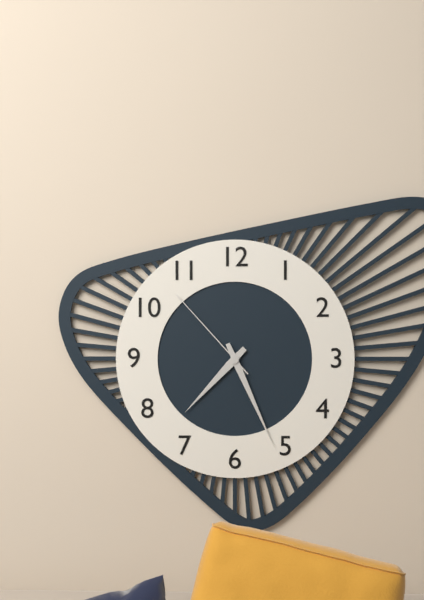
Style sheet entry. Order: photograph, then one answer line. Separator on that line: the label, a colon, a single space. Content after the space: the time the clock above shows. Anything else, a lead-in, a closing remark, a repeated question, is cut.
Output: 7:26:53
